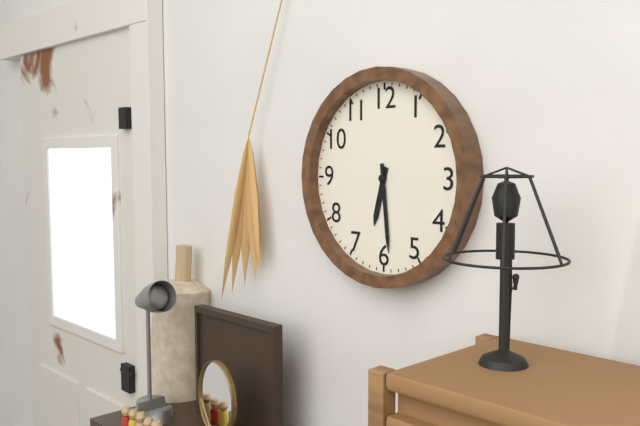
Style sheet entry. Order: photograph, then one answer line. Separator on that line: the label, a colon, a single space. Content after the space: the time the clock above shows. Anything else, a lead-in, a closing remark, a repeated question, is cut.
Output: 6:29
